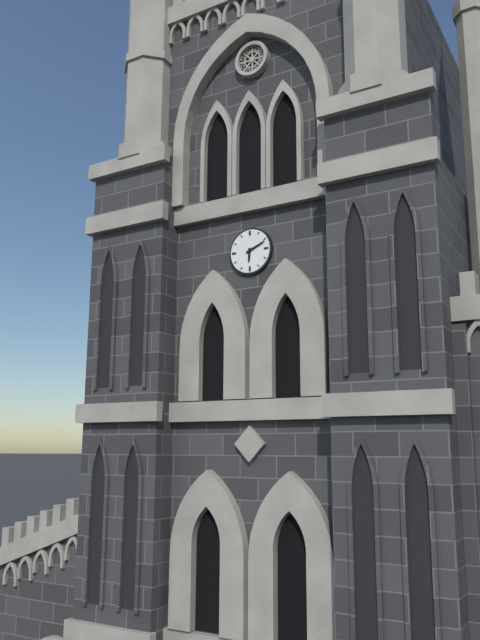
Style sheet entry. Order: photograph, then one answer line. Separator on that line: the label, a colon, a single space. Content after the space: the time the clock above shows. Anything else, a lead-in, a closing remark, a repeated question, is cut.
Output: 6:11
